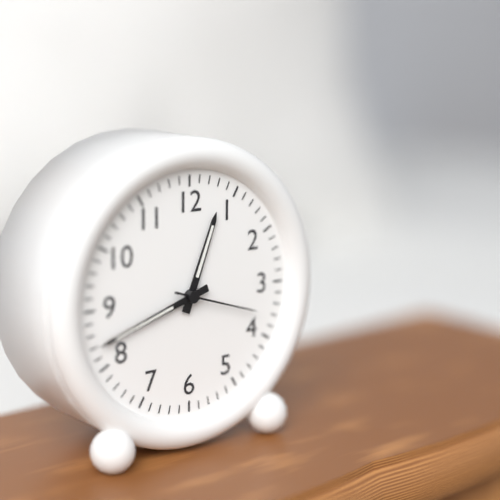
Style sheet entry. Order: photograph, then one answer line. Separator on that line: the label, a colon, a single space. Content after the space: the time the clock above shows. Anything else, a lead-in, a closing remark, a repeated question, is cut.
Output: 12:42:18
